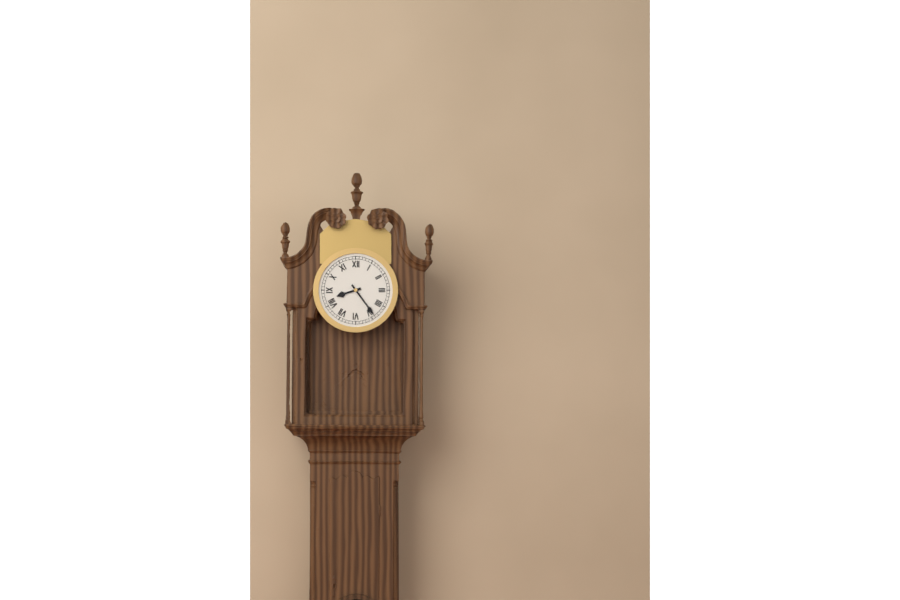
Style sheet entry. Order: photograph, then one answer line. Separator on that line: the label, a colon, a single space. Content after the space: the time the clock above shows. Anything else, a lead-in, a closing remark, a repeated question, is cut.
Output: 8:24
